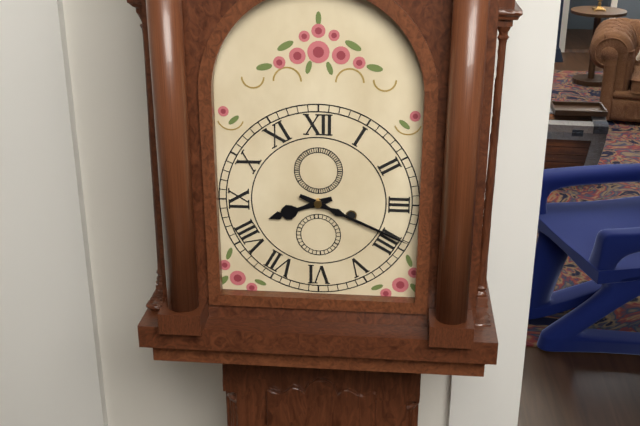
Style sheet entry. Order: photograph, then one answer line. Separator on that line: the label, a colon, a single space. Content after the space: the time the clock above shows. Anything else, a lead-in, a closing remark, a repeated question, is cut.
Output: 8:19
